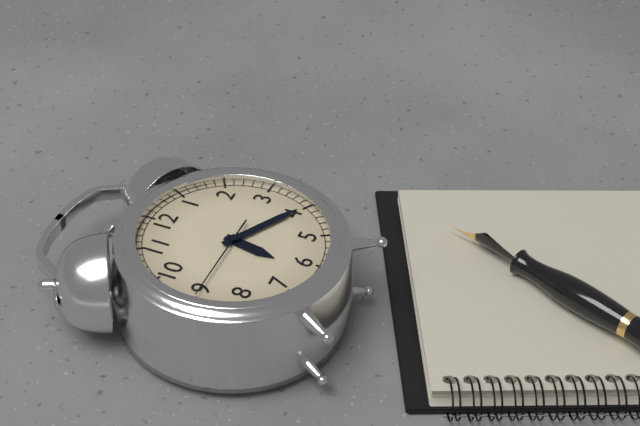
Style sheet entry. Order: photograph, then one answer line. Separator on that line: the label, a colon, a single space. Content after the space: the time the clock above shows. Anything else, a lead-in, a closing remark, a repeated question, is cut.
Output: 6:20:45
